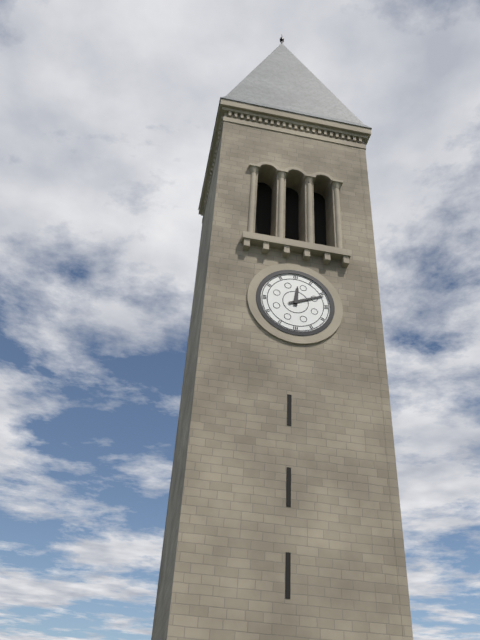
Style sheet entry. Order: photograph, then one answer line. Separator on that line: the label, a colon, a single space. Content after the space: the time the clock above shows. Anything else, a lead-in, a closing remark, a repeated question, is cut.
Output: 12:11
